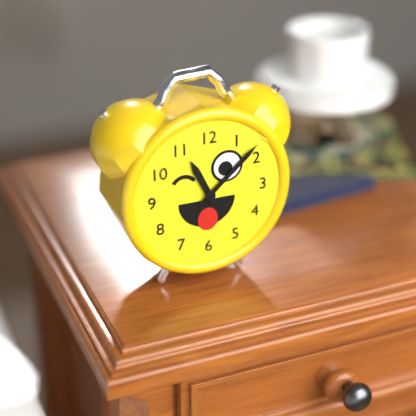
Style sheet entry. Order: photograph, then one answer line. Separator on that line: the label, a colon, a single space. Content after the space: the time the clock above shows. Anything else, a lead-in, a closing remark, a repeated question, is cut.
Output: 11:08
